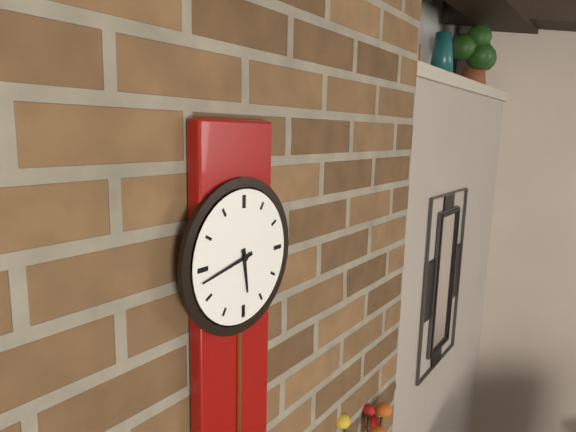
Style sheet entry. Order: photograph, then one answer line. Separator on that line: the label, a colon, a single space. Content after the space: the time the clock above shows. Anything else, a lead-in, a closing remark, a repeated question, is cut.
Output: 5:43
